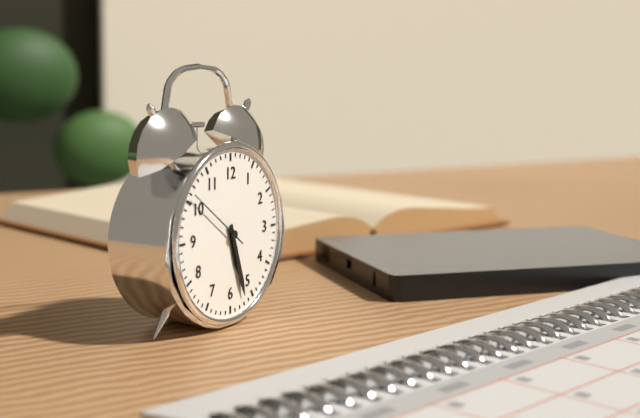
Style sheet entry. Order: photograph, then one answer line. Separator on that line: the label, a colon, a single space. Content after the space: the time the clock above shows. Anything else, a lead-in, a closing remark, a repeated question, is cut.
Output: 5:27:51
